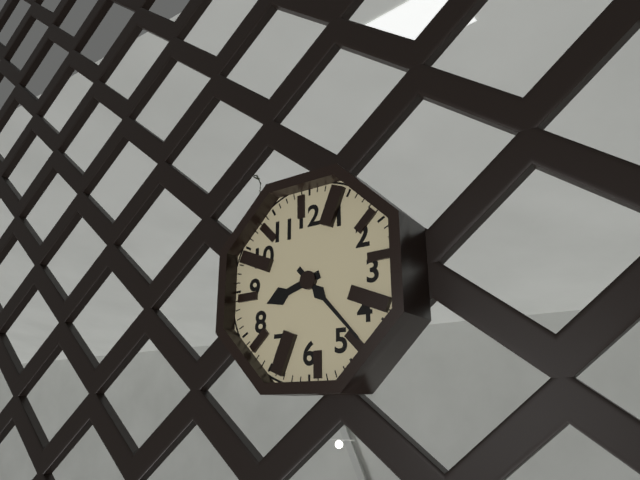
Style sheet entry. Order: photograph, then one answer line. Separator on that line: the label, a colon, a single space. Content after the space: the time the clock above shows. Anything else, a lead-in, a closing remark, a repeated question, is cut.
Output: 8:23
